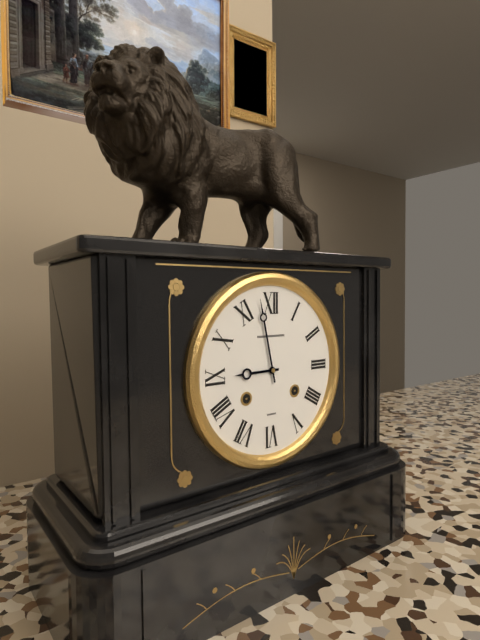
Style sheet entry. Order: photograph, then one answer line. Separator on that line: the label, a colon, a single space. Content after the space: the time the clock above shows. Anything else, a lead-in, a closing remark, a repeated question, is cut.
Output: 8:58
